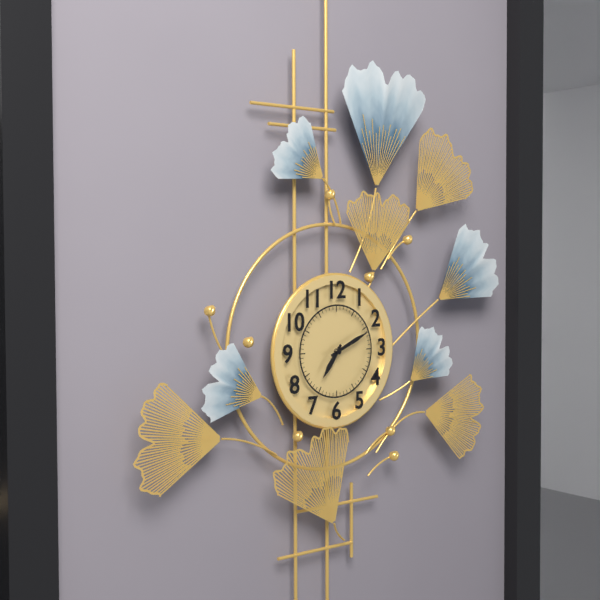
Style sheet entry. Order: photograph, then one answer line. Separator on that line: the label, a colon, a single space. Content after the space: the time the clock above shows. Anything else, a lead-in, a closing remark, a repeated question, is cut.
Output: 7:11
